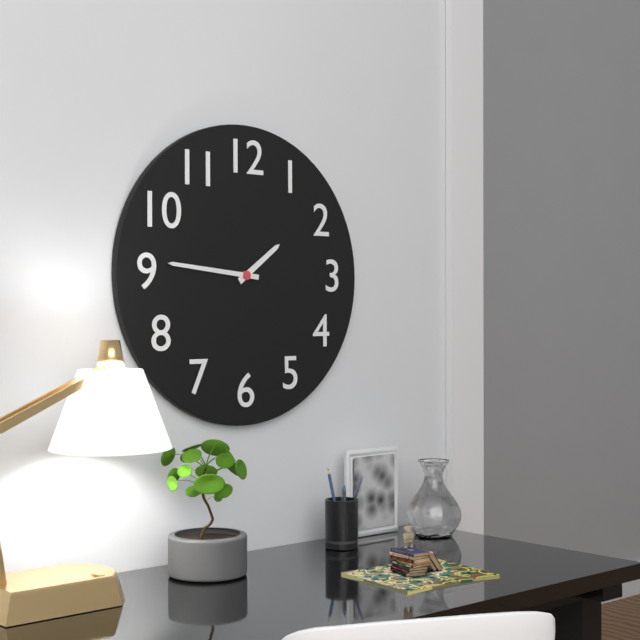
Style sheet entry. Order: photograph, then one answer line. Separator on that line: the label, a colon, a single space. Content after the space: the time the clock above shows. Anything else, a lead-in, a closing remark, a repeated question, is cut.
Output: 1:46
